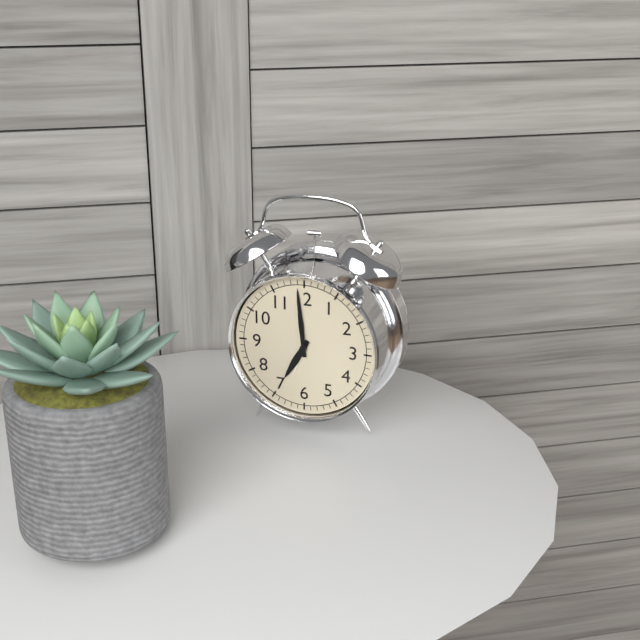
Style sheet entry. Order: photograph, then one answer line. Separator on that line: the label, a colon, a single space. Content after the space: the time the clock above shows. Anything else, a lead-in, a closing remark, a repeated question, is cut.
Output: 6:59
